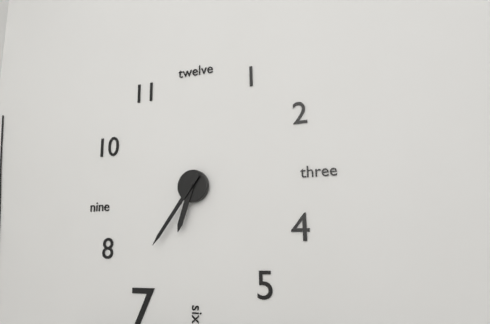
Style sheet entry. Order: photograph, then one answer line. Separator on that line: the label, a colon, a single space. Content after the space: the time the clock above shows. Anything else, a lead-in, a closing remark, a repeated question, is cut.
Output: 6:36
